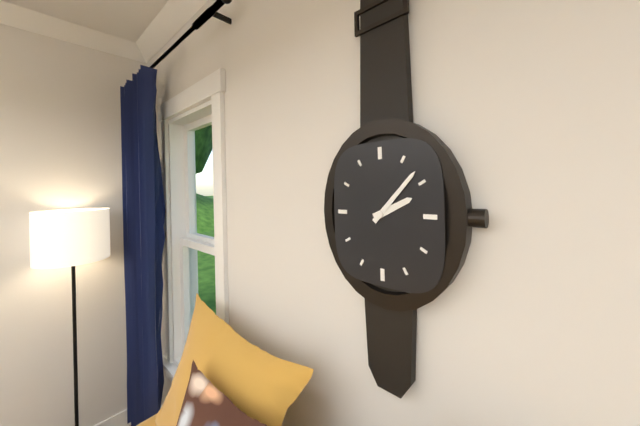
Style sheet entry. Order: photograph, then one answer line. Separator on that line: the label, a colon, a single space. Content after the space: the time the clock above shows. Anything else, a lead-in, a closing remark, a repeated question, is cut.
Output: 2:07
